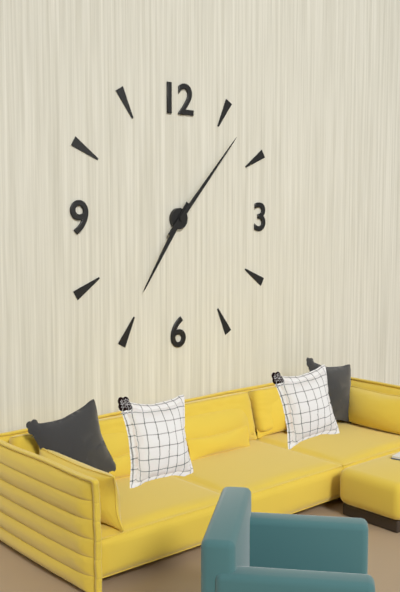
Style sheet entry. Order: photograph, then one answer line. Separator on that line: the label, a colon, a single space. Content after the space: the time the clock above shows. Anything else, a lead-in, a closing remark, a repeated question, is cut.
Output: 7:07
